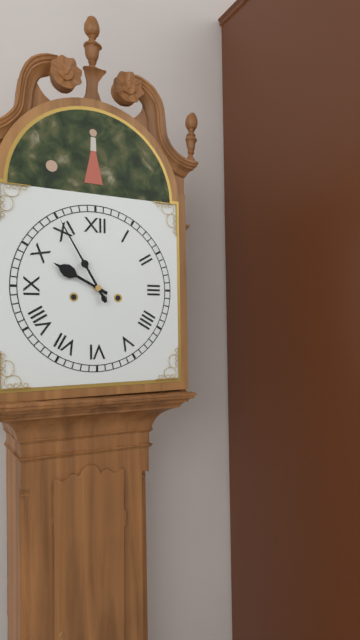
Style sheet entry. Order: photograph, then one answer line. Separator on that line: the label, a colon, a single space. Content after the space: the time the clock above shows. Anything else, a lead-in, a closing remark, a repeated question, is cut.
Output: 9:55
